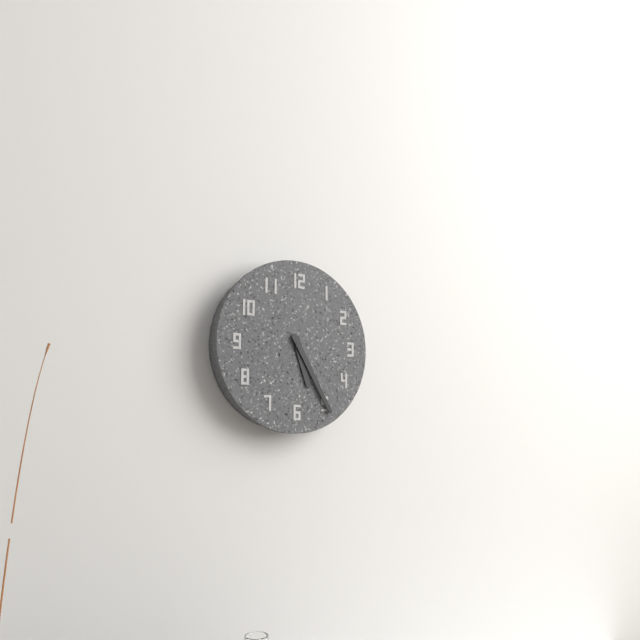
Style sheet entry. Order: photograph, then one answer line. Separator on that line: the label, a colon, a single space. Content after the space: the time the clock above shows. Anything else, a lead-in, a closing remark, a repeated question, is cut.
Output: 5:25
